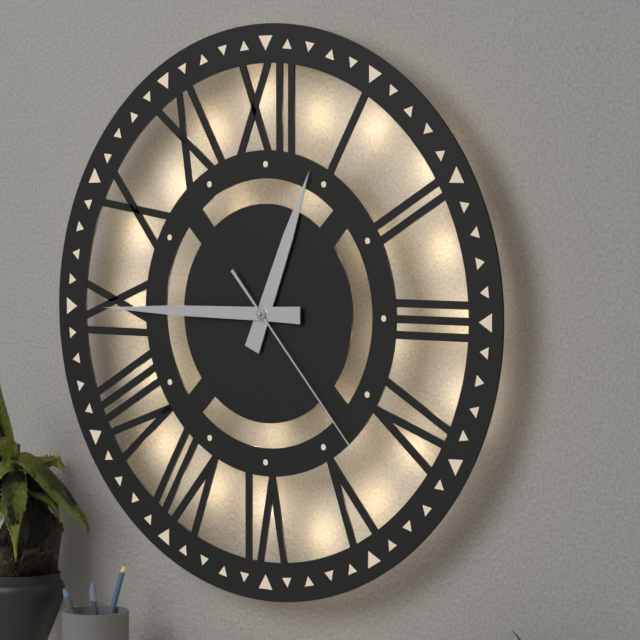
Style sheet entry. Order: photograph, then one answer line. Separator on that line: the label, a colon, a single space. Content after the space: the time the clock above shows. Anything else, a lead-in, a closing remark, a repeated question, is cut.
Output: 12:45:23
